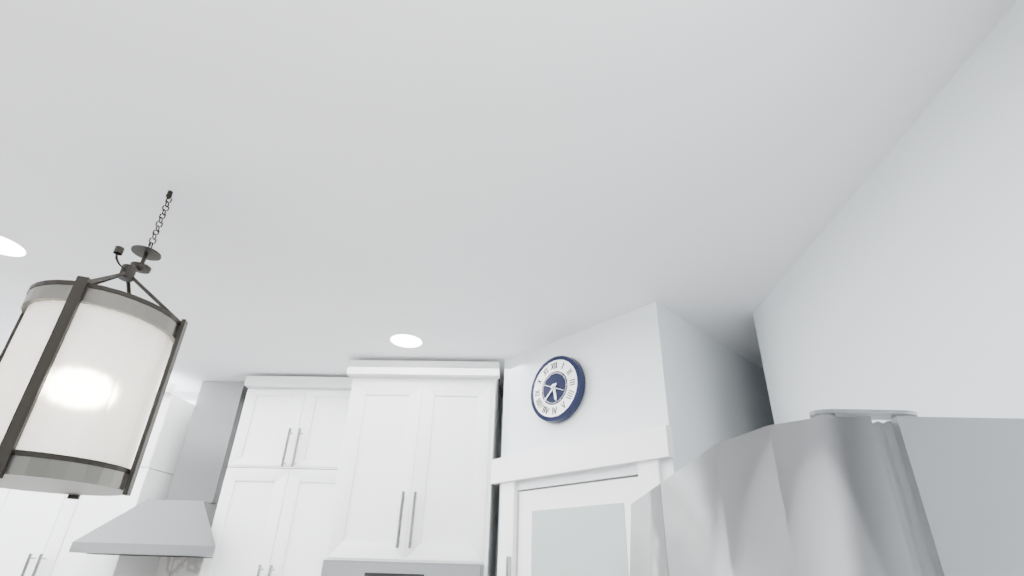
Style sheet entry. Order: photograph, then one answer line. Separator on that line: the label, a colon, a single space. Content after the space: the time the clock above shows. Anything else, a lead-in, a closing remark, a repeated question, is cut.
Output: 5:38
